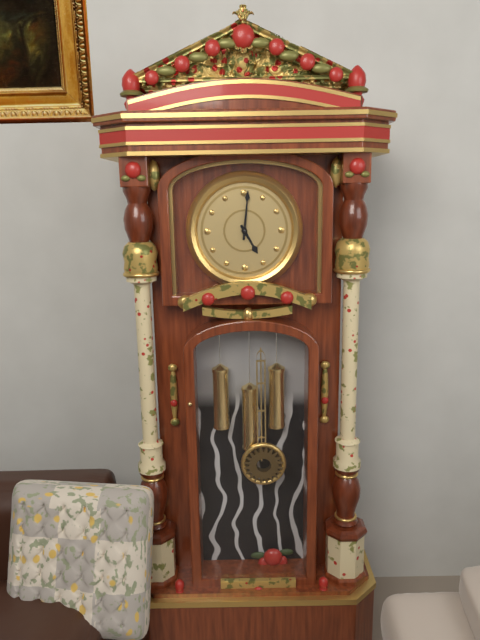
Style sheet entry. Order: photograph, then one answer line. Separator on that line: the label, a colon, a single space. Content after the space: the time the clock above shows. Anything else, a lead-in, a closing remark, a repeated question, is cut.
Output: 5:01
